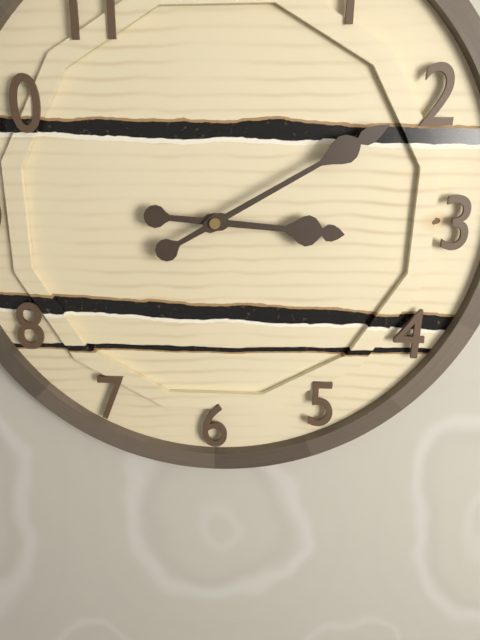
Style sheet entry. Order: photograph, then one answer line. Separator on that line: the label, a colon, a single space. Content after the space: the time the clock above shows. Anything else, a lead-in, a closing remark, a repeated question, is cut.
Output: 3:10
